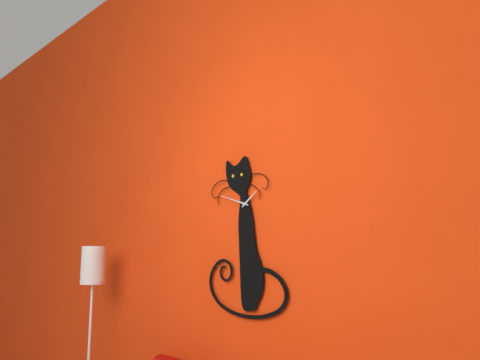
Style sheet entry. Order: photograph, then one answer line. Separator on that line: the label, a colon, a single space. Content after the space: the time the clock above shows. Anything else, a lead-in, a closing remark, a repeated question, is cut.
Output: 1:48
